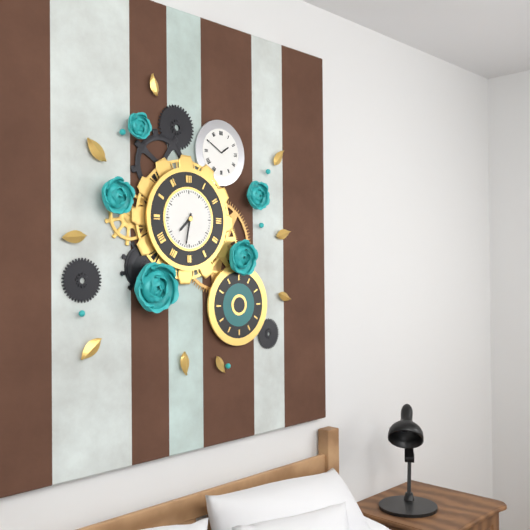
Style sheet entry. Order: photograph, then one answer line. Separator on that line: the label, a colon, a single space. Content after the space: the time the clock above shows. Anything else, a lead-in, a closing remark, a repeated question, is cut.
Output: 7:32
